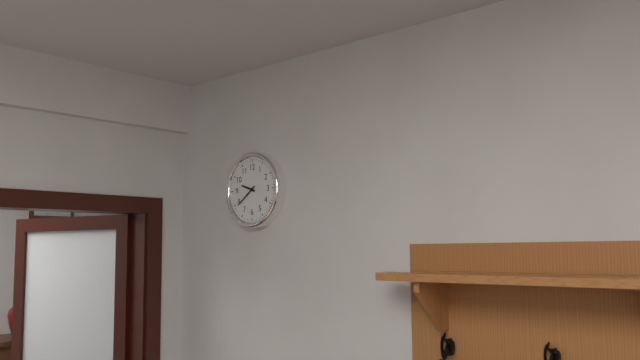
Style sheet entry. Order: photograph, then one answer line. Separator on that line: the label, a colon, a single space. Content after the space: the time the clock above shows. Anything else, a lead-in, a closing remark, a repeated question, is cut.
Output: 9:39
